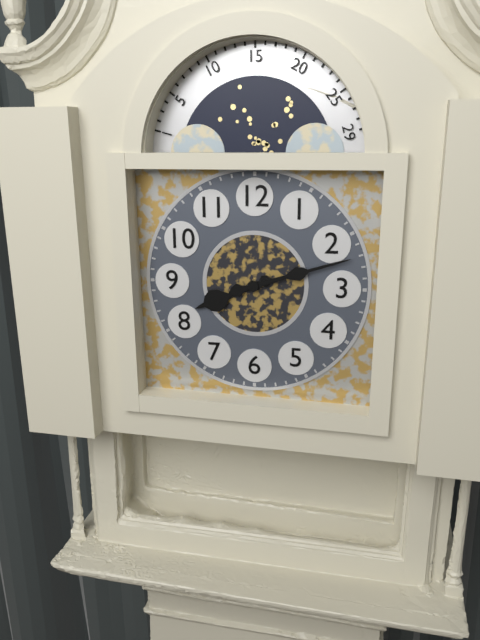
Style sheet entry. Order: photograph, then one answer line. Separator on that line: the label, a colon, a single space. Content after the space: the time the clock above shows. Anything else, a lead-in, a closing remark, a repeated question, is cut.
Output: 8:12
